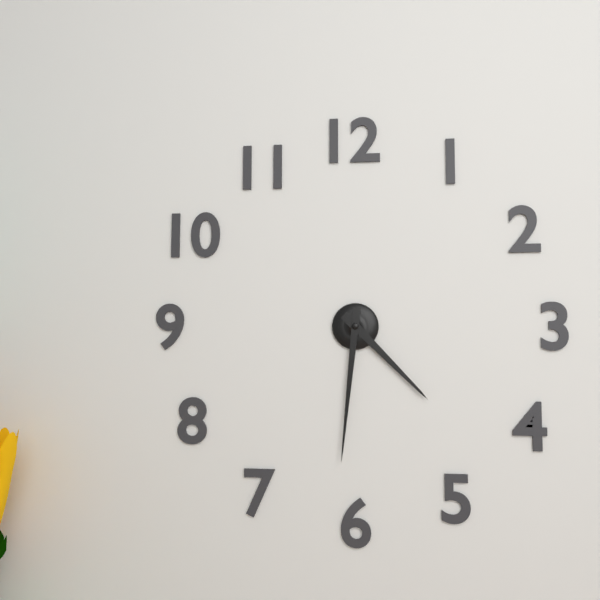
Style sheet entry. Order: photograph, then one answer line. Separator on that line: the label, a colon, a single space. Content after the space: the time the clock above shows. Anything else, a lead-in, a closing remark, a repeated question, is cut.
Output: 4:31
